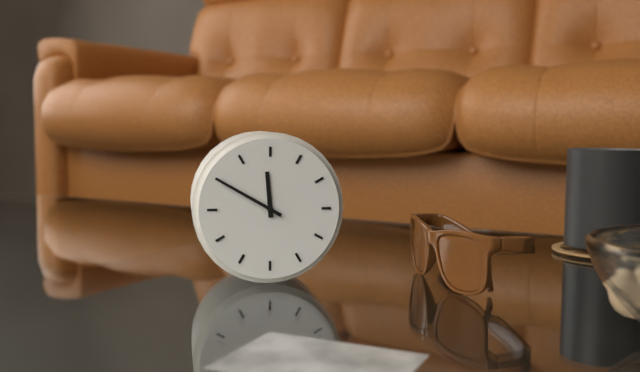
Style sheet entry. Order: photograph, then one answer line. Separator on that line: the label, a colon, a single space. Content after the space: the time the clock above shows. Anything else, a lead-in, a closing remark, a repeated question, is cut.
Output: 11:50
